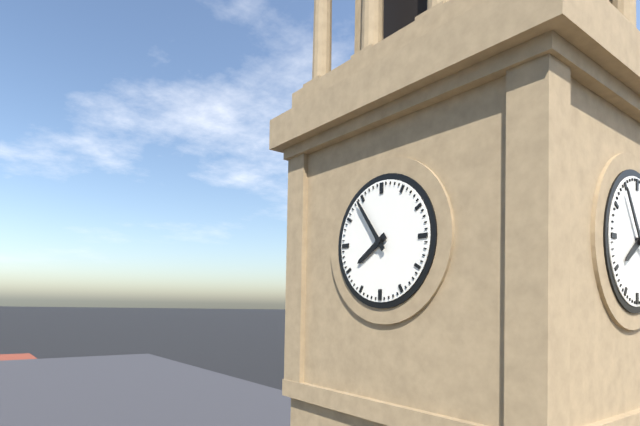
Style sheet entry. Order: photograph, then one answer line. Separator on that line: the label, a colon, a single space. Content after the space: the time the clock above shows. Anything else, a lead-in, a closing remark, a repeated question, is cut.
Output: 7:54
